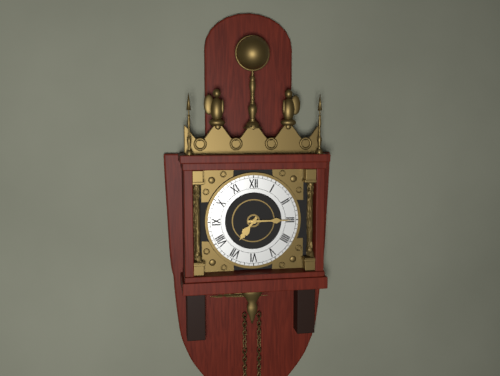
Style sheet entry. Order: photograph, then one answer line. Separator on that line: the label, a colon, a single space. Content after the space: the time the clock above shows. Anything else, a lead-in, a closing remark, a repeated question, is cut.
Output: 7:15
